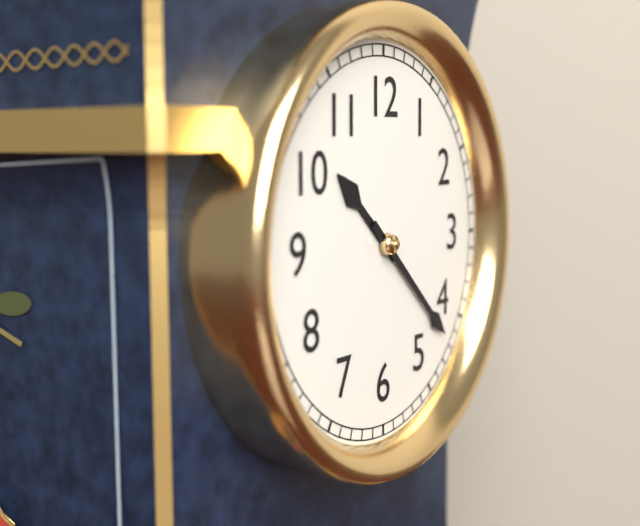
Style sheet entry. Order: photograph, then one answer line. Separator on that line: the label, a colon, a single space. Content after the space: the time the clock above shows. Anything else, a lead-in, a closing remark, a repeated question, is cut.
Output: 10:22
